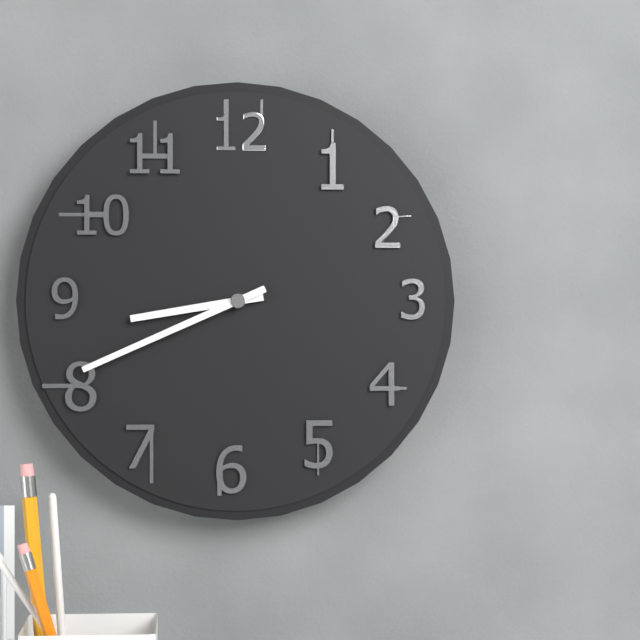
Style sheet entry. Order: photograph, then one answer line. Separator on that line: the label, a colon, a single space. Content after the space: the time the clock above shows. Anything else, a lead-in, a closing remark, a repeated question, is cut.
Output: 8:41
